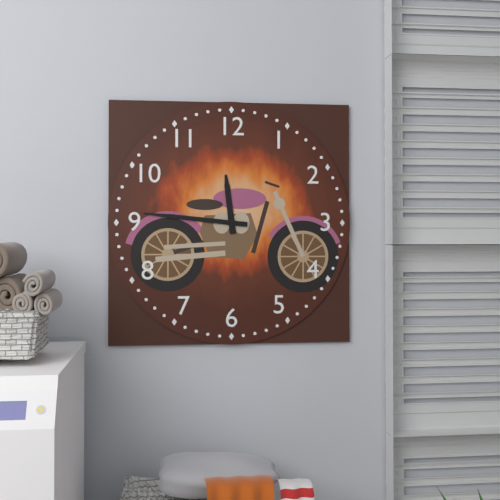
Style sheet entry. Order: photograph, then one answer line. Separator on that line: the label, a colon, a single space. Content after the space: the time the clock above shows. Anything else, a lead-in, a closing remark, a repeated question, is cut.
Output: 11:46
